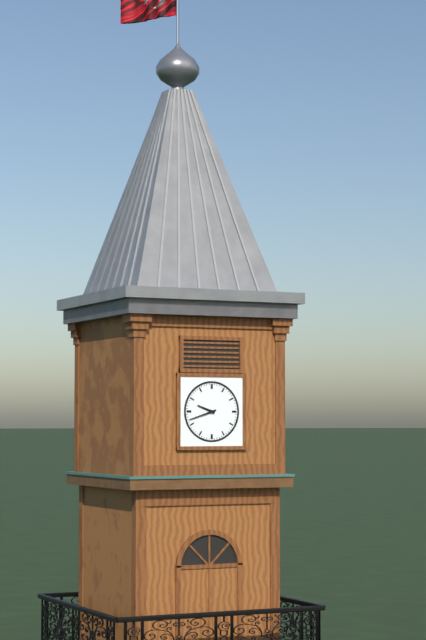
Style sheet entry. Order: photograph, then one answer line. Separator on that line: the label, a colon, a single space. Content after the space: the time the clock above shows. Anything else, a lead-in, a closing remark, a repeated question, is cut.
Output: 9:42
